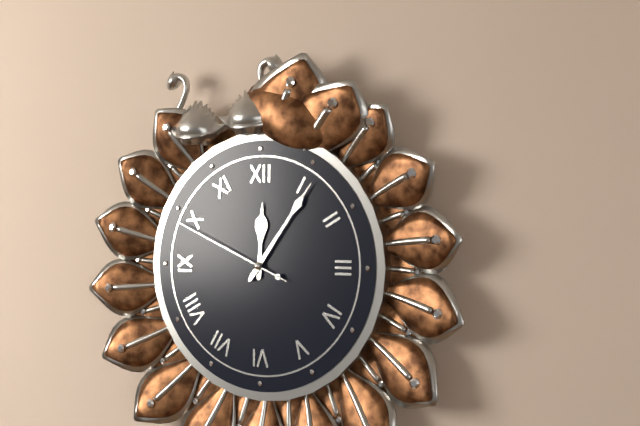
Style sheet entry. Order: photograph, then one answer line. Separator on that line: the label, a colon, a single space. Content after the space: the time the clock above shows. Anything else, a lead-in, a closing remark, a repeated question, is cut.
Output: 12:06:49
